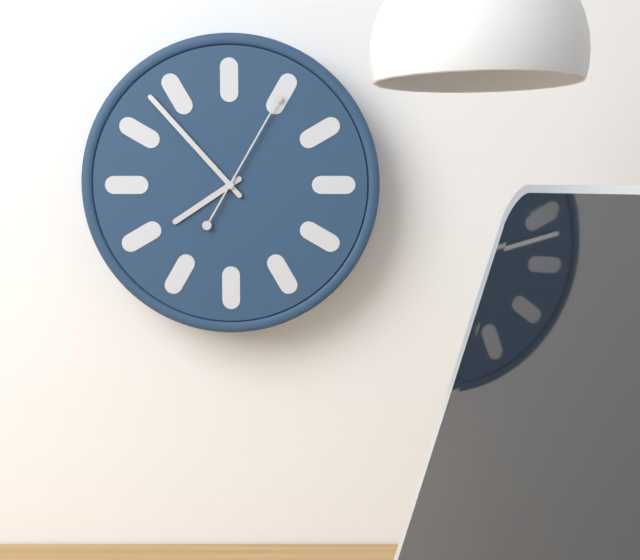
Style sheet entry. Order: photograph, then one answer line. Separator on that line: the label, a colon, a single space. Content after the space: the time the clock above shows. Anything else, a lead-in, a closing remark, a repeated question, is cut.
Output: 7:53:05
